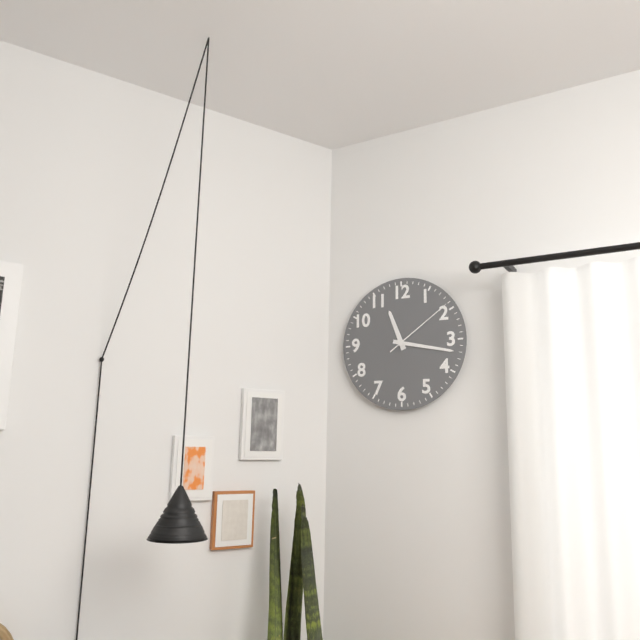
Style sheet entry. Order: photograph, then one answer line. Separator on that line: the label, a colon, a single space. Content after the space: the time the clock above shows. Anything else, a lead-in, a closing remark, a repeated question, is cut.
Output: 11:17:09
